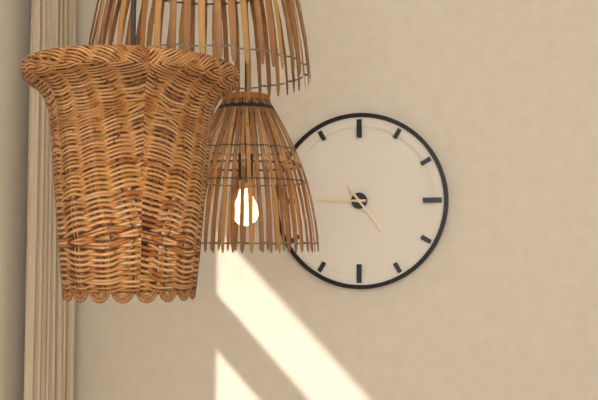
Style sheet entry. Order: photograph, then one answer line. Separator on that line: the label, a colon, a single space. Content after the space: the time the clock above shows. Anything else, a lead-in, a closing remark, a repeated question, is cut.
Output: 4:45
